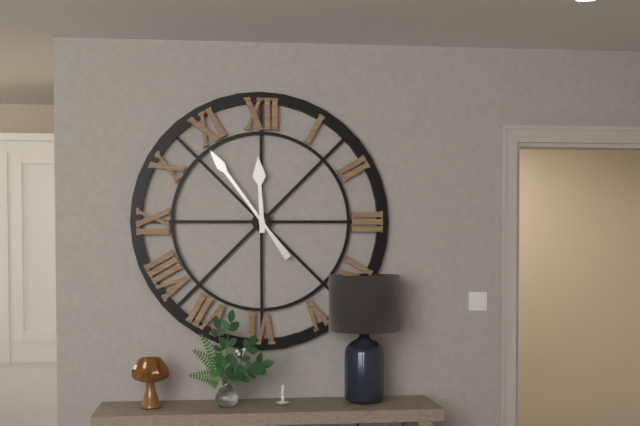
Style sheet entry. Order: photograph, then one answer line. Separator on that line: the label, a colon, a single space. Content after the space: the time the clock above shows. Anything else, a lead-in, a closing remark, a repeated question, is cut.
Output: 11:54
